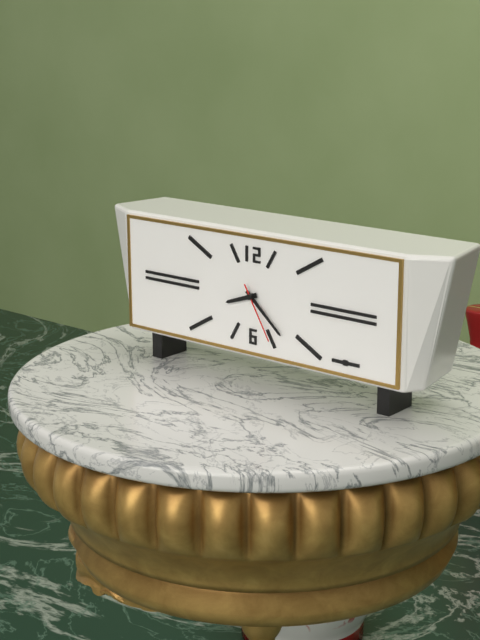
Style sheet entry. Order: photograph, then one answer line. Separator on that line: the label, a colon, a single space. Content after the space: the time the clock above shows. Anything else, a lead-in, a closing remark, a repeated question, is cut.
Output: 8:22:25
